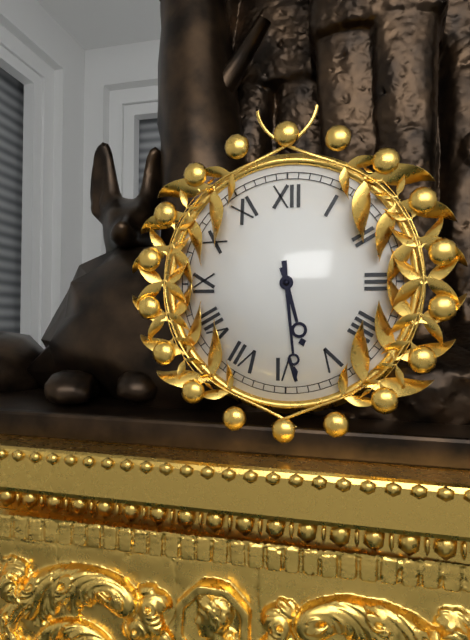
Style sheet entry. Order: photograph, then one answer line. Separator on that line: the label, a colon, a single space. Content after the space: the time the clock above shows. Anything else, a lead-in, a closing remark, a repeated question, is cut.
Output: 5:29
